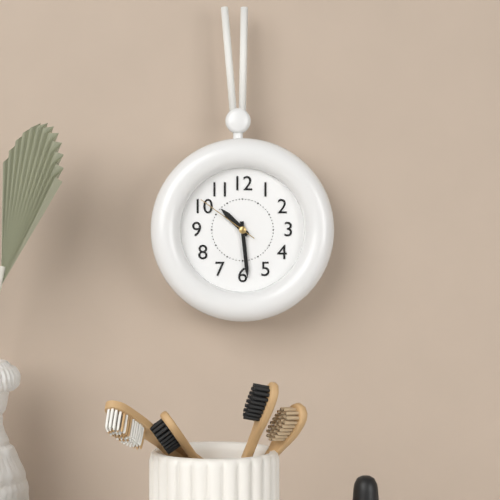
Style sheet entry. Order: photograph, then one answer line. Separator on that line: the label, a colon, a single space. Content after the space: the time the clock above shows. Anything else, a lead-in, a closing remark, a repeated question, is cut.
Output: 10:29:51
